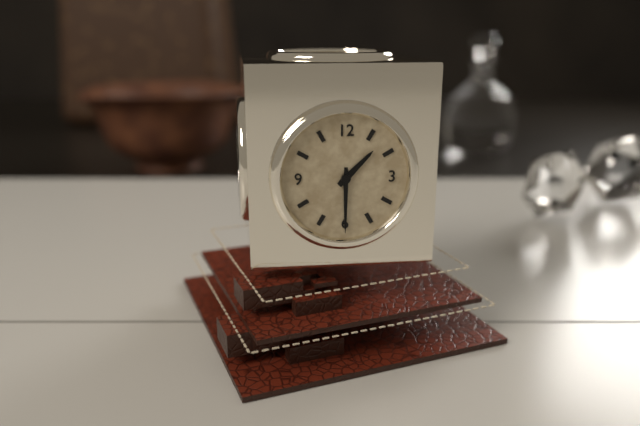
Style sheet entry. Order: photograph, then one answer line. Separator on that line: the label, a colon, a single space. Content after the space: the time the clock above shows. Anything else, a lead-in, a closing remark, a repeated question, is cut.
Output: 1:30
